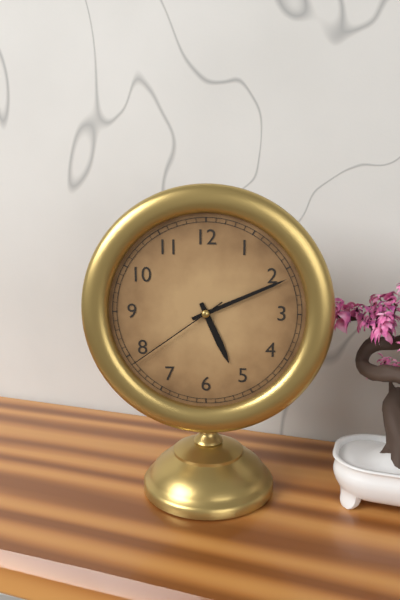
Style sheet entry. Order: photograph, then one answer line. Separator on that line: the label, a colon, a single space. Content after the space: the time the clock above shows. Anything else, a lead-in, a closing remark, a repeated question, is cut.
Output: 5:11:39
